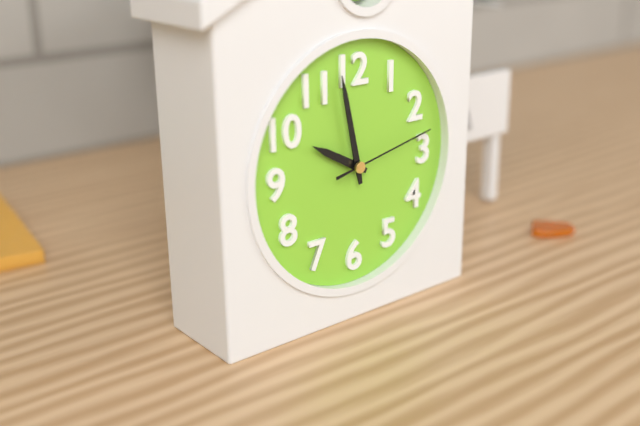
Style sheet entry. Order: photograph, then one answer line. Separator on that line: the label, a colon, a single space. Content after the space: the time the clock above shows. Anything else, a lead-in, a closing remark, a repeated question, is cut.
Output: 9:58:13
